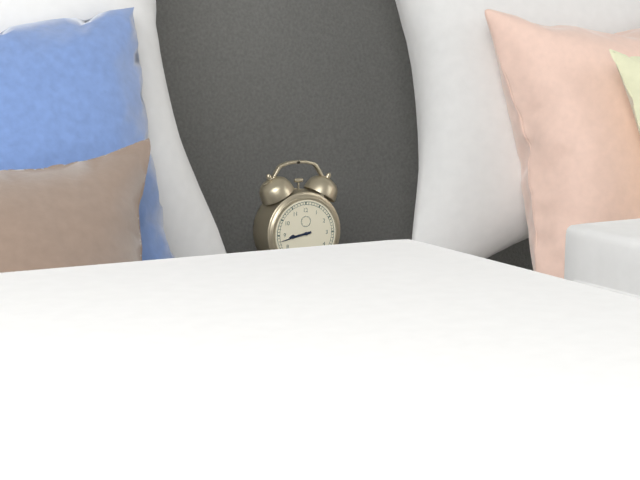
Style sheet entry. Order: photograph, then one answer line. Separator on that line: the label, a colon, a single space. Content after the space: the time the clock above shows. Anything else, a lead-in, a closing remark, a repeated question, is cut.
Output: 8:43
